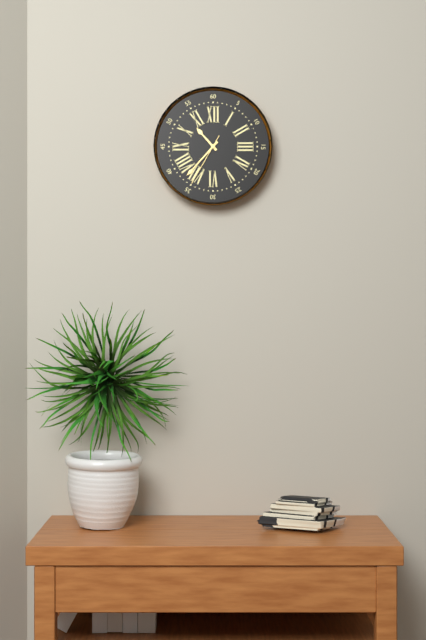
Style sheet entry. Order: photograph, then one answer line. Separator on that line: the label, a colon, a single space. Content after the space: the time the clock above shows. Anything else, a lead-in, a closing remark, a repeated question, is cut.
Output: 10:37:35
